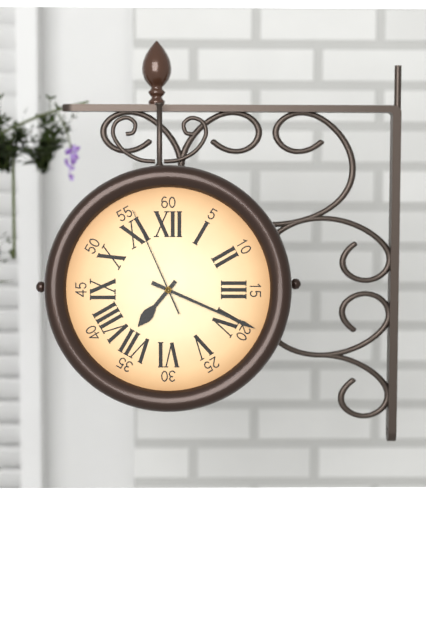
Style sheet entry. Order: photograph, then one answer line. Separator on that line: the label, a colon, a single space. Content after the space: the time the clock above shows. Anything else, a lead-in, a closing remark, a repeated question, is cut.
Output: 7:19:56
